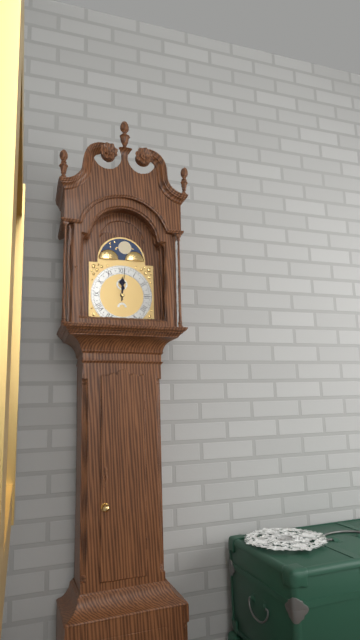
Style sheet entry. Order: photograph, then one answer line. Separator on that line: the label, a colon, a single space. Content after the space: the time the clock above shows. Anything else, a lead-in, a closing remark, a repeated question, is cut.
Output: 12:01
